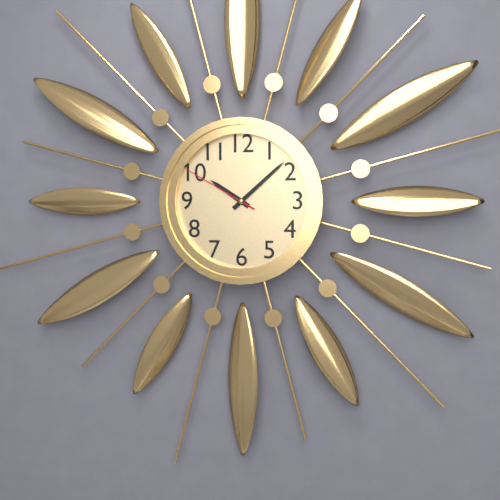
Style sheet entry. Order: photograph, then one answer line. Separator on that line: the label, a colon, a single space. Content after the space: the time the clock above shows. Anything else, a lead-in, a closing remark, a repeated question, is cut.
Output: 10:08:50
